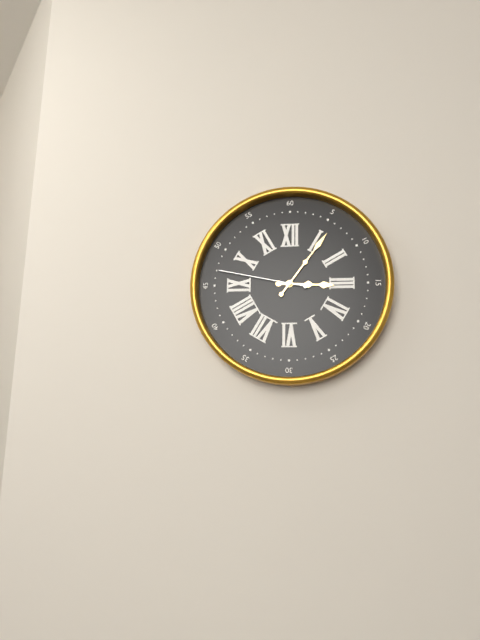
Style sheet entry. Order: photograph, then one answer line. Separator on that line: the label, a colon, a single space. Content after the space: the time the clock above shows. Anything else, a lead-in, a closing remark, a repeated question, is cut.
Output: 3:06:47
